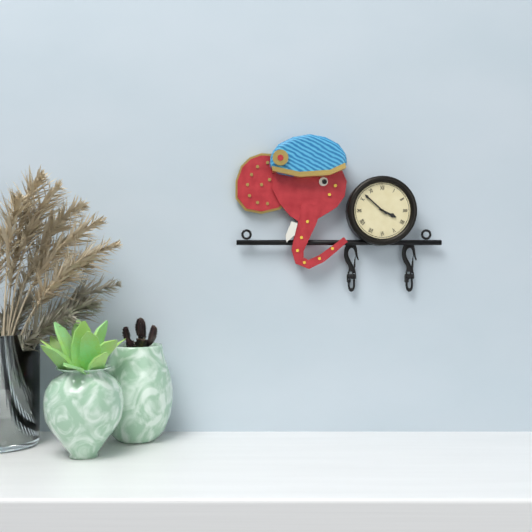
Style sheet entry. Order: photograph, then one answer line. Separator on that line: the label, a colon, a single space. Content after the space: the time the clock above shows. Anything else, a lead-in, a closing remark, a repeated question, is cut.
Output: 3:52
